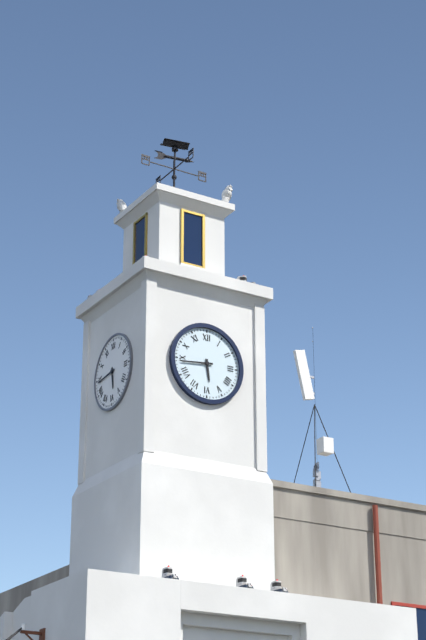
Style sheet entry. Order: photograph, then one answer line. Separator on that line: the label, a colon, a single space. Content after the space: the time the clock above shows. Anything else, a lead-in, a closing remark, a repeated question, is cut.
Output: 5:44
